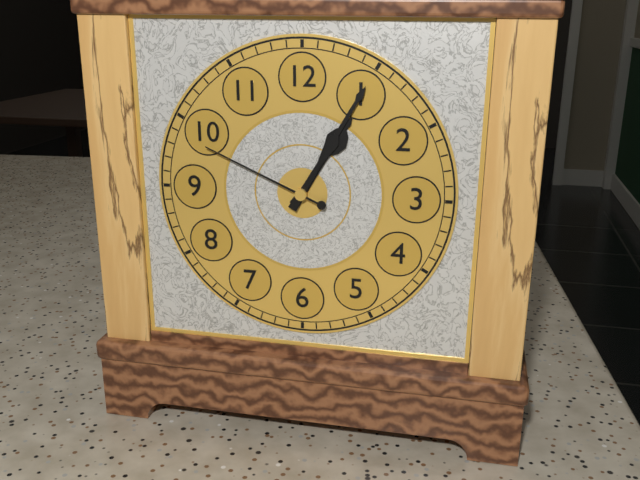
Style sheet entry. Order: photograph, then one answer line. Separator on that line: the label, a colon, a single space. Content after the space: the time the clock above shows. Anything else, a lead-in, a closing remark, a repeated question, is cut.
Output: 1:05:49
